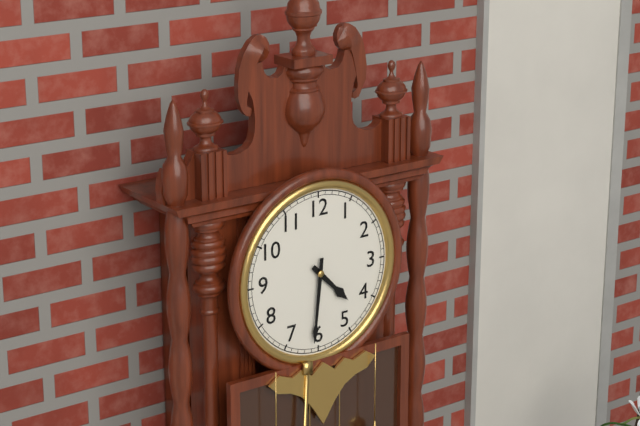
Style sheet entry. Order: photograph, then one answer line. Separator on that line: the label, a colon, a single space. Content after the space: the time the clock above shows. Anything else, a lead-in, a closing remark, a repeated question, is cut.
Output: 4:31
